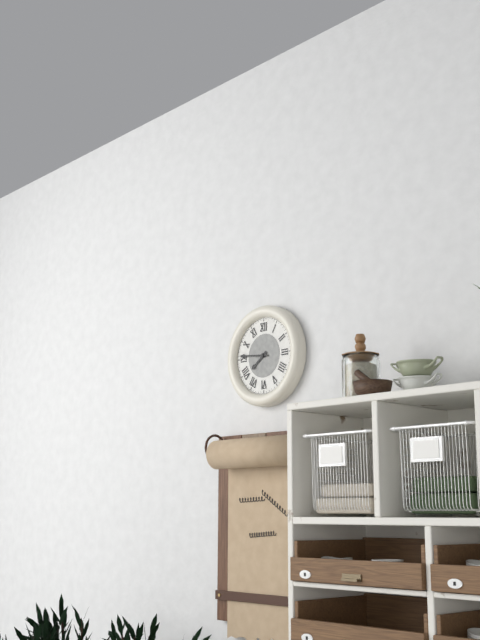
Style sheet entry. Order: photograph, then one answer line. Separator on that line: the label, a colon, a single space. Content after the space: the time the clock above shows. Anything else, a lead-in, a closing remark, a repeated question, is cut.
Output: 7:46
